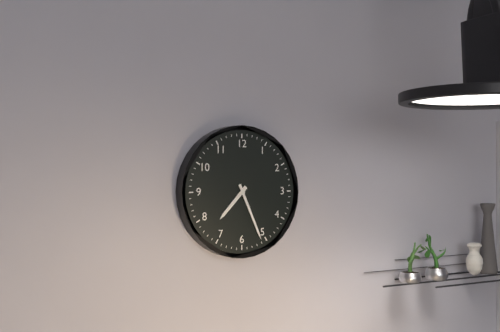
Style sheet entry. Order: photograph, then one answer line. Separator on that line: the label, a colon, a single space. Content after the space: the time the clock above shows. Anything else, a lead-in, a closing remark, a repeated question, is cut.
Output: 7:26
